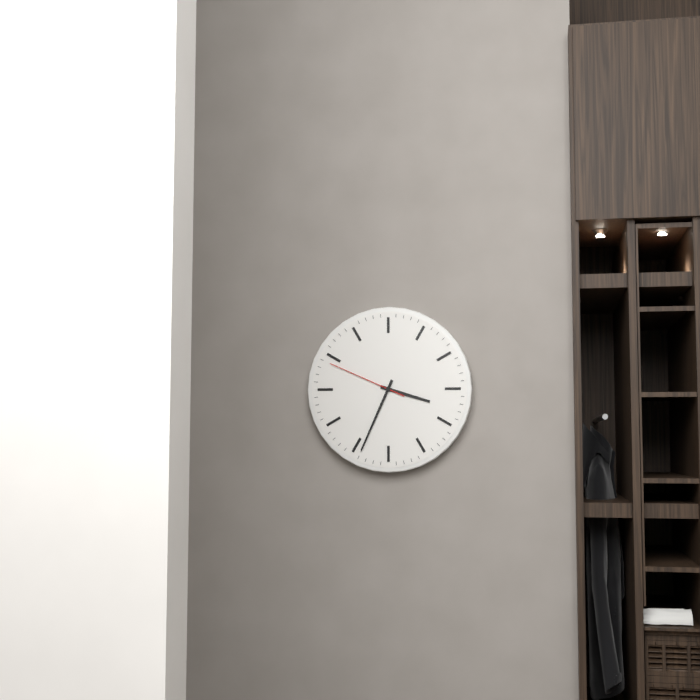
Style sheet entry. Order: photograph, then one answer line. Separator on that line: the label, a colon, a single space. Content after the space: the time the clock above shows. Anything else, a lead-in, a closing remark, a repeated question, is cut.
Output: 3:34:49
